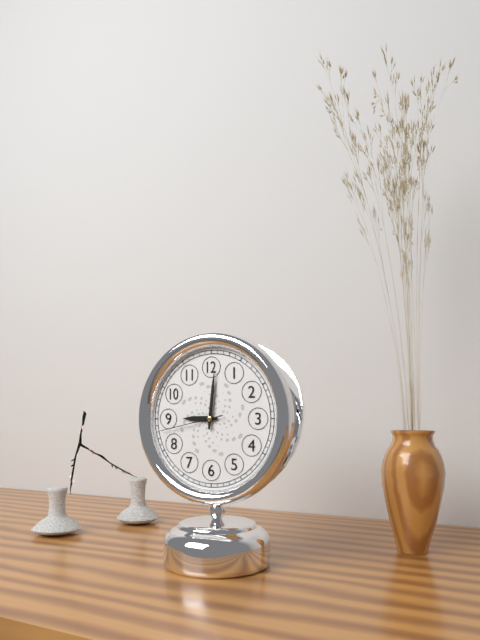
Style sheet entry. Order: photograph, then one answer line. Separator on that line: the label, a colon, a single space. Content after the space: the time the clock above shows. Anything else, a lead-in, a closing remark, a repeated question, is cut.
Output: 9:01:43
